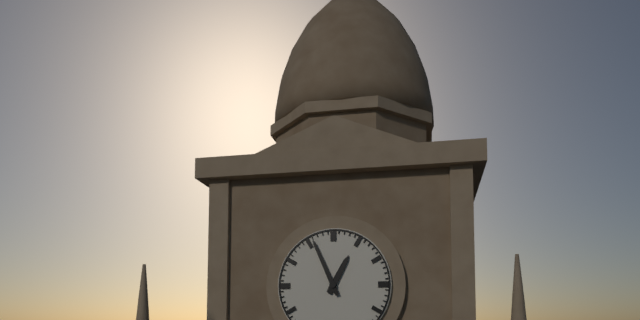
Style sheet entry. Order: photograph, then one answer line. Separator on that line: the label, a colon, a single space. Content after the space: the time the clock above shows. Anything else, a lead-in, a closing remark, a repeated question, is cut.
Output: 12:56
